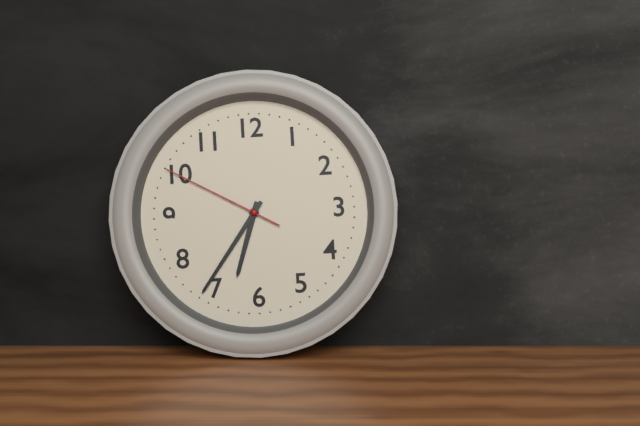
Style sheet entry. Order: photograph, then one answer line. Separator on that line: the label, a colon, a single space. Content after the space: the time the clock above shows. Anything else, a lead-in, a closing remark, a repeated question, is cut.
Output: 6:36:50
